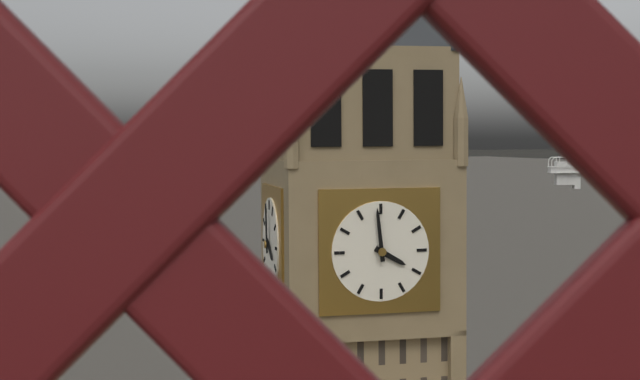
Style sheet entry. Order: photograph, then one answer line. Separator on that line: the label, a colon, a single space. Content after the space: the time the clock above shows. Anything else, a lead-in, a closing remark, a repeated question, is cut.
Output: 3:59
